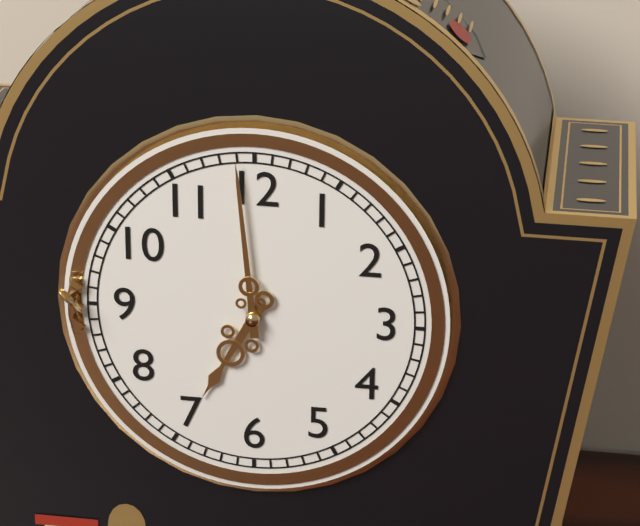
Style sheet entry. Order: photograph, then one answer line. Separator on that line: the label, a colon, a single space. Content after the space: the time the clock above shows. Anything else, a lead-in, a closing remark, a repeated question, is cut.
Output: 6:59
